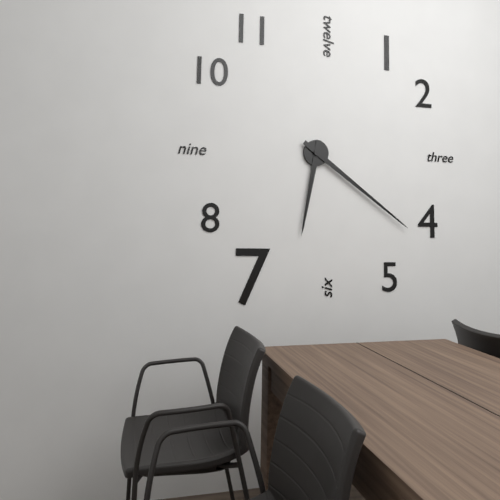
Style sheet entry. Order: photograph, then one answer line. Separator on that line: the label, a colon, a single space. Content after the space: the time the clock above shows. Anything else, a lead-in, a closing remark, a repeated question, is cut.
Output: 6:21
